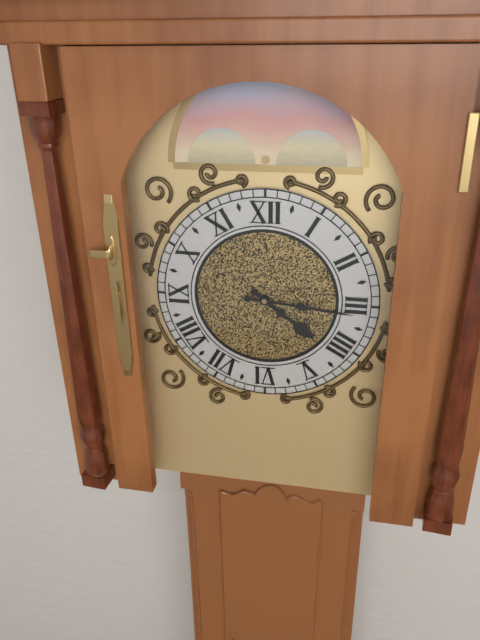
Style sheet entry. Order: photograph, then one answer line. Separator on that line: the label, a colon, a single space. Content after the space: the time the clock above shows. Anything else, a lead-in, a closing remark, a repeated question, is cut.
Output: 4:16
